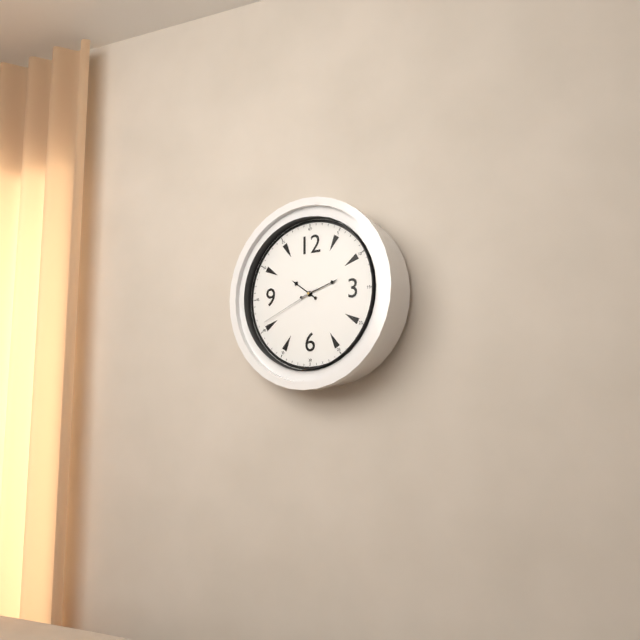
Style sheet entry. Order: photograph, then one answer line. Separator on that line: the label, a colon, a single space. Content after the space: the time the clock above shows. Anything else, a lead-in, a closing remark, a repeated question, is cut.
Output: 10:12:41
